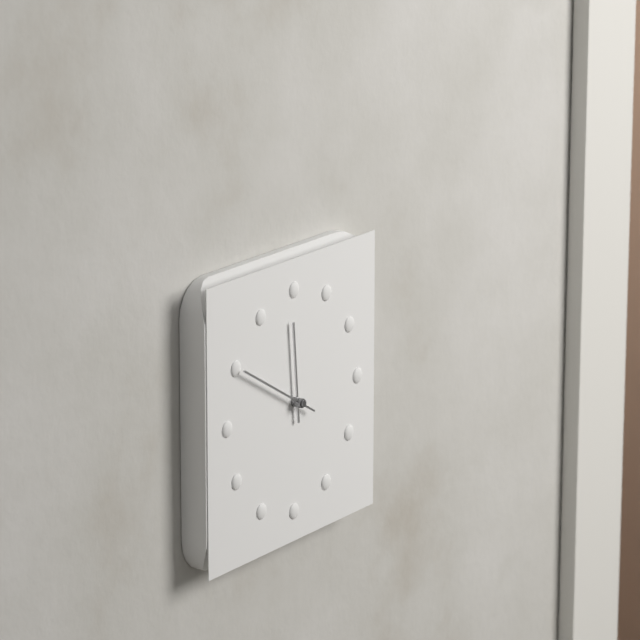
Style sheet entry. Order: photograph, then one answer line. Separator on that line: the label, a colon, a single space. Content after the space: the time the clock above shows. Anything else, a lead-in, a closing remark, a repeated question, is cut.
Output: 11:50
